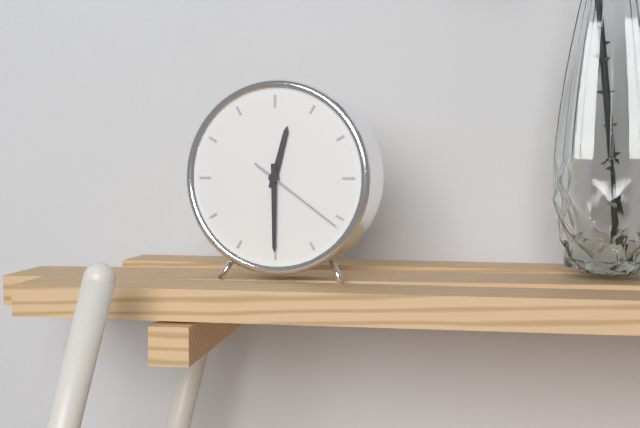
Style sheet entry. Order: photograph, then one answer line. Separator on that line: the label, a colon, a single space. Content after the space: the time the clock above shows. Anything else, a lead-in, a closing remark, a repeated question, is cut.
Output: 12:30:21
